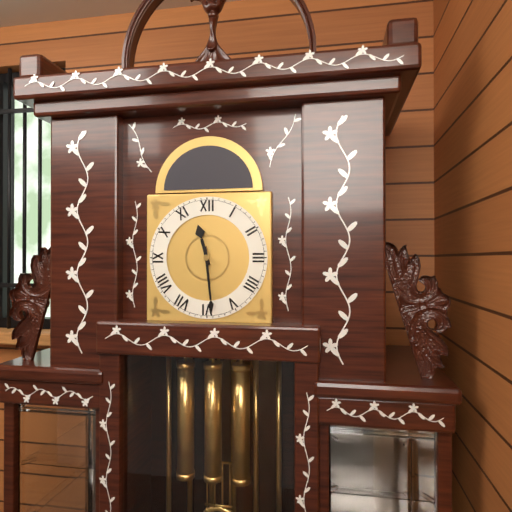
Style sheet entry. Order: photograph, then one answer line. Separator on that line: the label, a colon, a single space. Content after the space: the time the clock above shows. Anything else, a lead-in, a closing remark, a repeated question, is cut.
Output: 11:29
